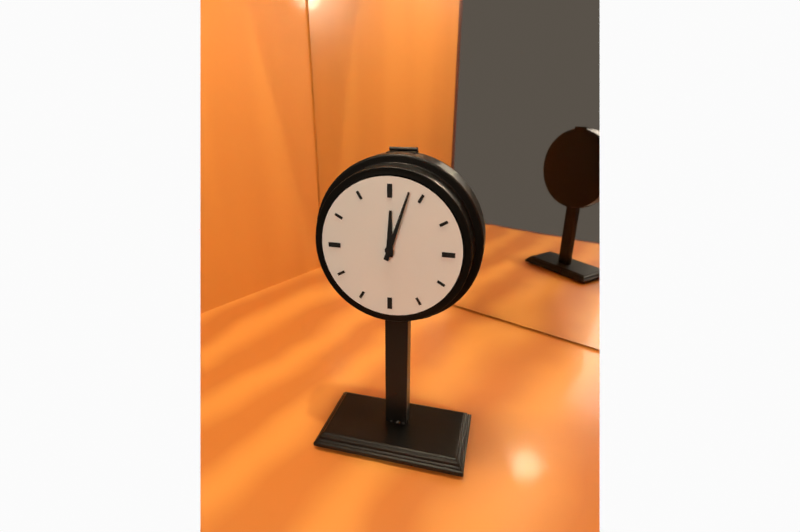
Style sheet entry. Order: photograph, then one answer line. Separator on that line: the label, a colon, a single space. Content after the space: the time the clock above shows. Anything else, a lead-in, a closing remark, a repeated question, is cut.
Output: 12:03
